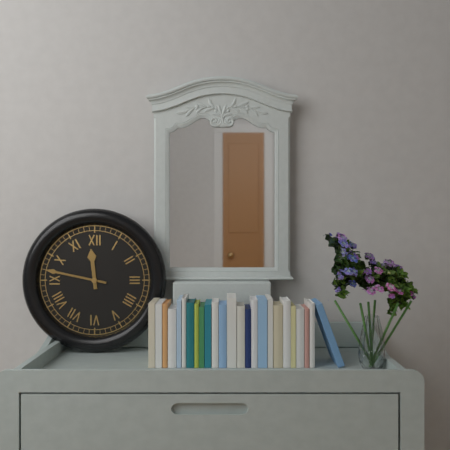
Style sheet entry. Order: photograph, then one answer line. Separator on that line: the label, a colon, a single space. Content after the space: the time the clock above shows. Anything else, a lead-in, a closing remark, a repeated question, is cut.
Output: 11:47
